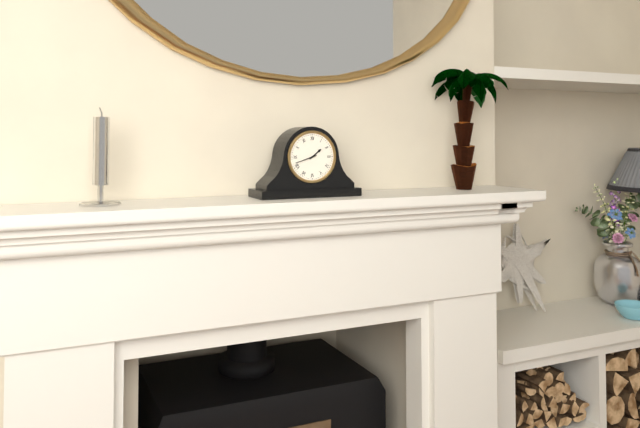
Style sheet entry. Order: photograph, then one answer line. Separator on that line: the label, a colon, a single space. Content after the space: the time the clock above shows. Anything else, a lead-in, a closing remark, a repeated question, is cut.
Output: 1:42
